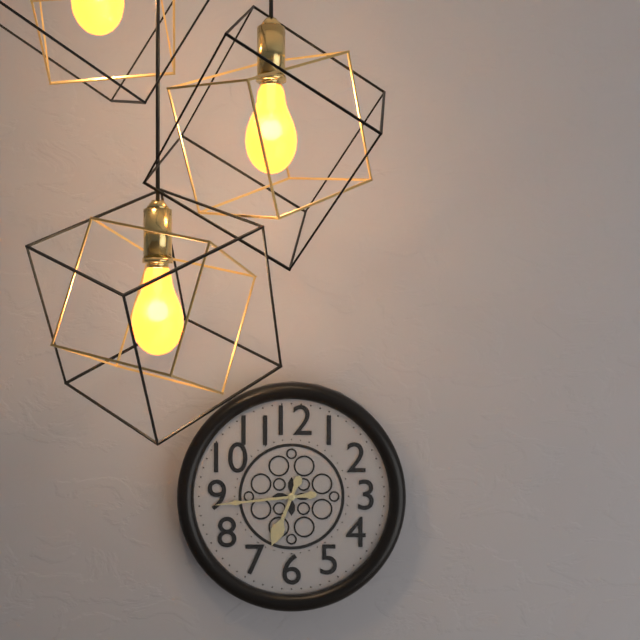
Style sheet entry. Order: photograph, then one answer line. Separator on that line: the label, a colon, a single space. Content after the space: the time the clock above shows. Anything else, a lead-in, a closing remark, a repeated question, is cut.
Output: 6:44
